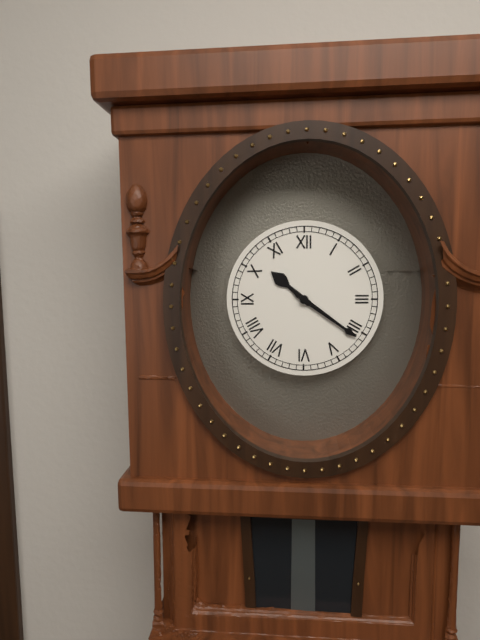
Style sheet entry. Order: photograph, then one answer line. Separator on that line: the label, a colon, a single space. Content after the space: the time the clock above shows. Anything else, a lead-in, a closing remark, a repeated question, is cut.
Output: 10:21
